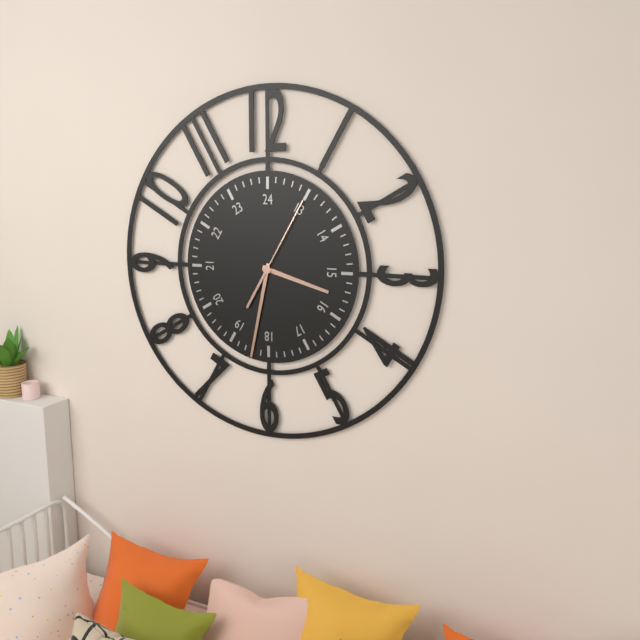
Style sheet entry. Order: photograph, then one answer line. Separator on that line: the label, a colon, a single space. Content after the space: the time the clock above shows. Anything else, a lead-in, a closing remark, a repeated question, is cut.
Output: 3:32:05
